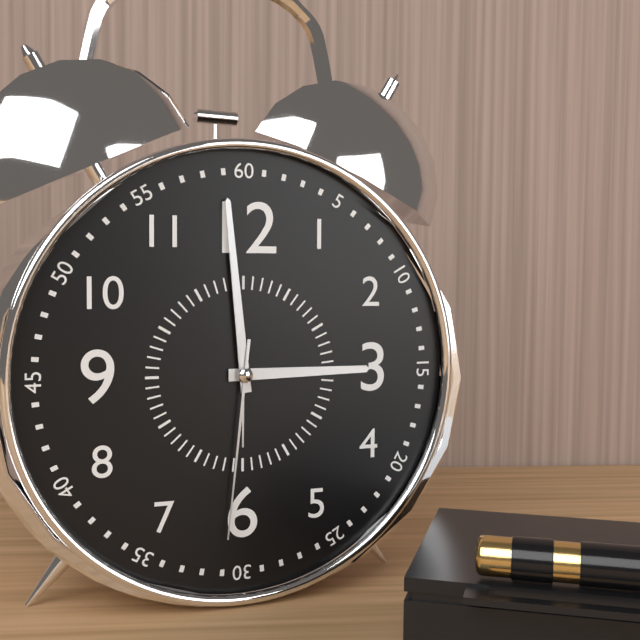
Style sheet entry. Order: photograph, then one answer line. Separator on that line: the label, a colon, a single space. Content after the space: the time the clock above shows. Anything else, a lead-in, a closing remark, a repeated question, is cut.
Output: 2:59:31
